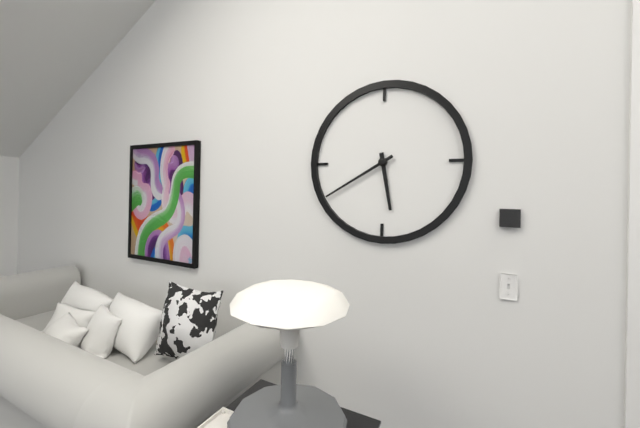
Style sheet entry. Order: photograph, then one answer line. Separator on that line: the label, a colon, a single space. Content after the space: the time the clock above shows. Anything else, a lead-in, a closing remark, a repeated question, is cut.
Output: 5:40
